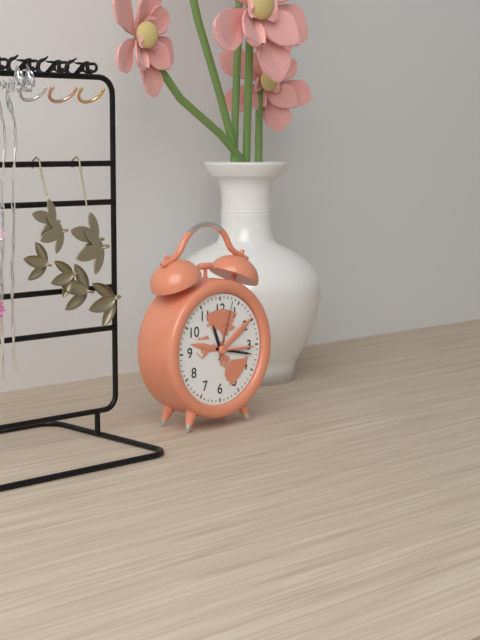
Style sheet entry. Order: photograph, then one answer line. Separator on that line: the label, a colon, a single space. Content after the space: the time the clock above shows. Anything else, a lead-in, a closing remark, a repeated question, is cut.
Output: 11:17:03
